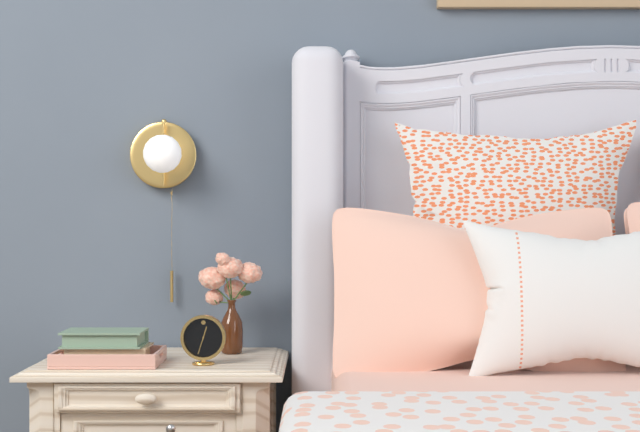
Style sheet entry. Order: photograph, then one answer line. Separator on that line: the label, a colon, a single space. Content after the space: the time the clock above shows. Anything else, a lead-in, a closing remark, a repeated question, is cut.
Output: 12:33
